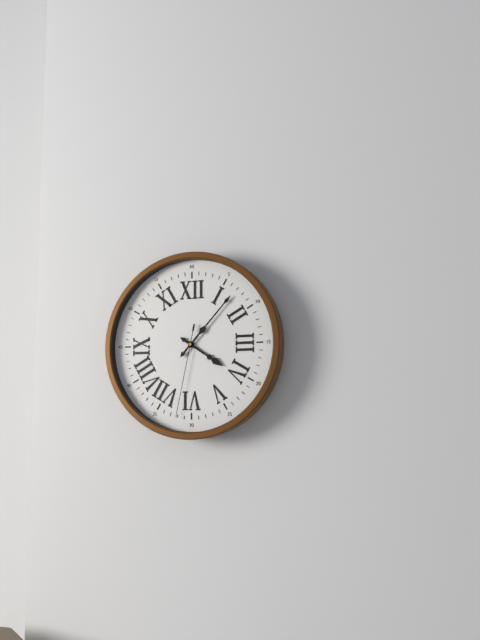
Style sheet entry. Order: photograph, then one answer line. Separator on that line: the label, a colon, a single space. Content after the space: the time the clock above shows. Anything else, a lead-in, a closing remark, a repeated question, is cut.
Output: 4:07:32
